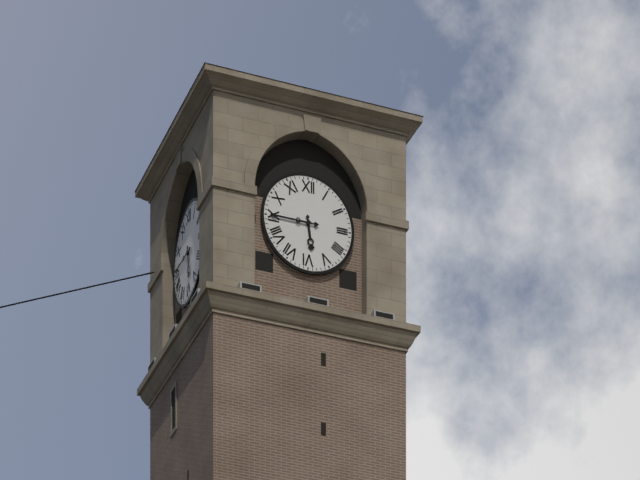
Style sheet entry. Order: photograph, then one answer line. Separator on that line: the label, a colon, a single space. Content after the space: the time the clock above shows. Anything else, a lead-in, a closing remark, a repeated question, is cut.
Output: 5:45
